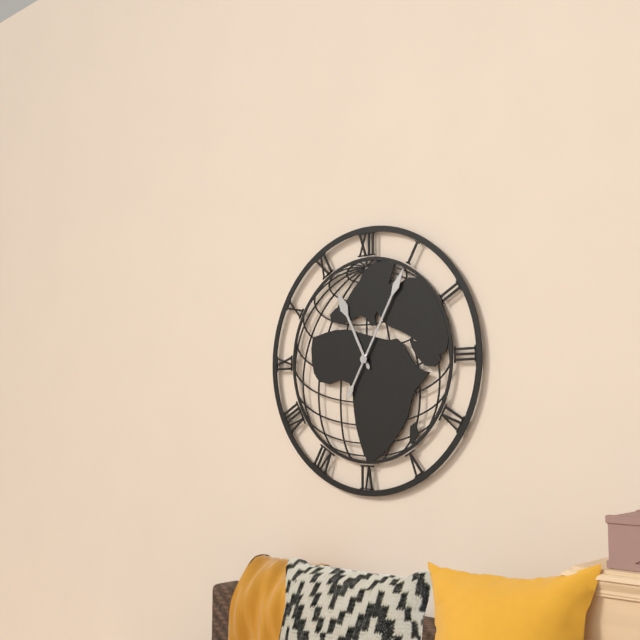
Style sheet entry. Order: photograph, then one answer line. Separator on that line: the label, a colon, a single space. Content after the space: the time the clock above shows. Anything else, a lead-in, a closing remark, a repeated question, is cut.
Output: 11:05
